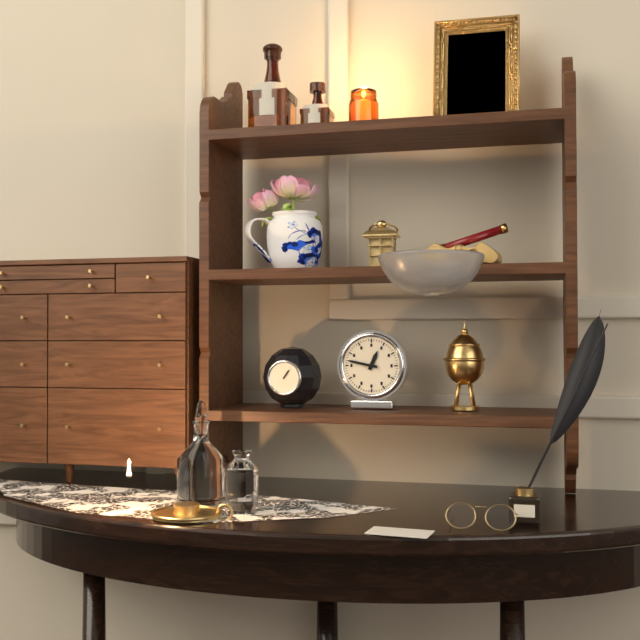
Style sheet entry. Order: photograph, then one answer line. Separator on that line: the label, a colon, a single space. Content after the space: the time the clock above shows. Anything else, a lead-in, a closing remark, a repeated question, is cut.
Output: 12:47
